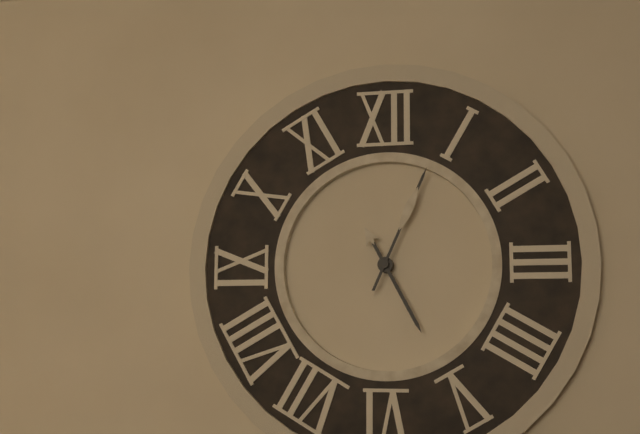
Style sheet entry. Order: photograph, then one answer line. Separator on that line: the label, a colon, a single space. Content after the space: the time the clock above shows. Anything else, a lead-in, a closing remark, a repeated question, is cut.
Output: 5:04
